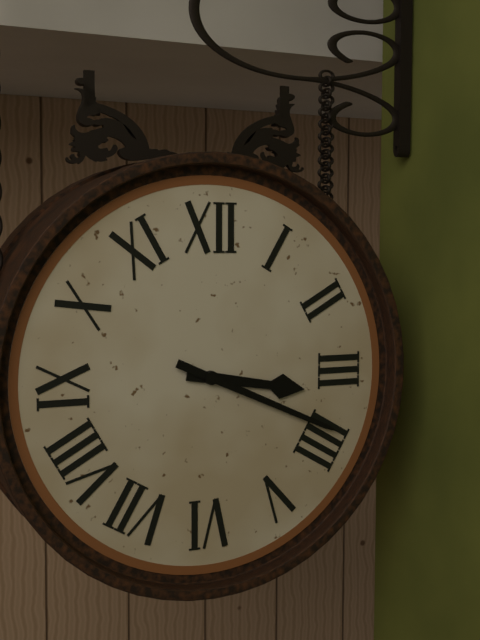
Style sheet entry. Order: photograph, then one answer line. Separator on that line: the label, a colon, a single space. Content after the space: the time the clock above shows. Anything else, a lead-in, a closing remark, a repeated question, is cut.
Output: 3:19
